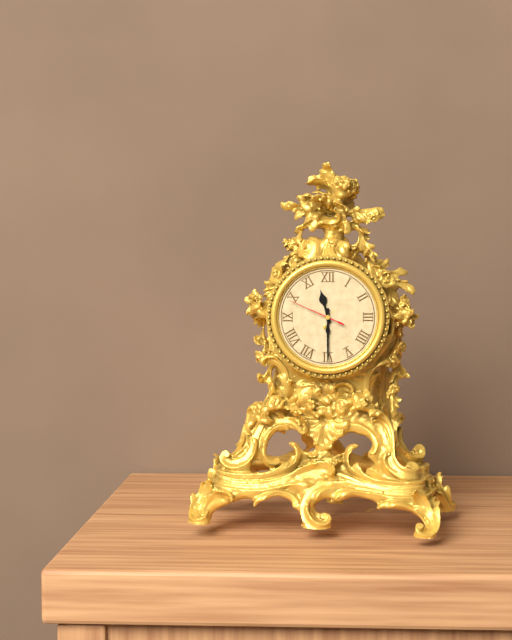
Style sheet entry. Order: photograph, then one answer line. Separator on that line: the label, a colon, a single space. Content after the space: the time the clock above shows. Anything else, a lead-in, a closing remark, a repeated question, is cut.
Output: 11:30:49
